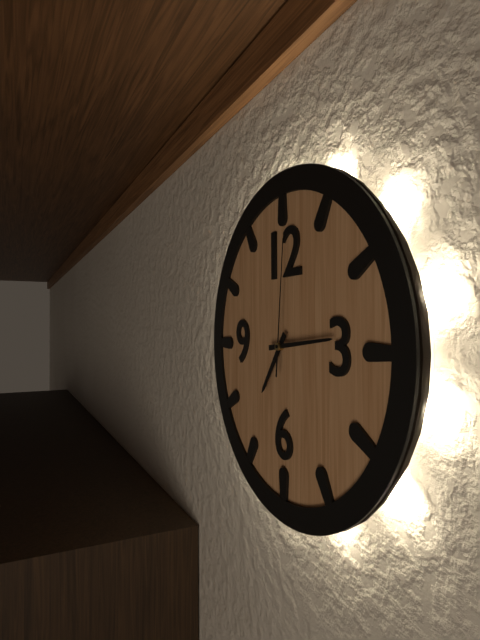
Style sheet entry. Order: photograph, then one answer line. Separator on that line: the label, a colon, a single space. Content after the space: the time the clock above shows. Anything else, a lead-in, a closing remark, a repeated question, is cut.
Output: 7:14:01
